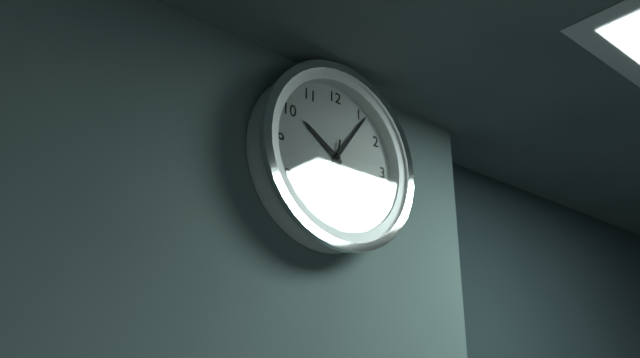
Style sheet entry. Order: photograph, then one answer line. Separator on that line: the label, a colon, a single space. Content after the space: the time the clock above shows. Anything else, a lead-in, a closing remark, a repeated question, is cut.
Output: 10:06:32
